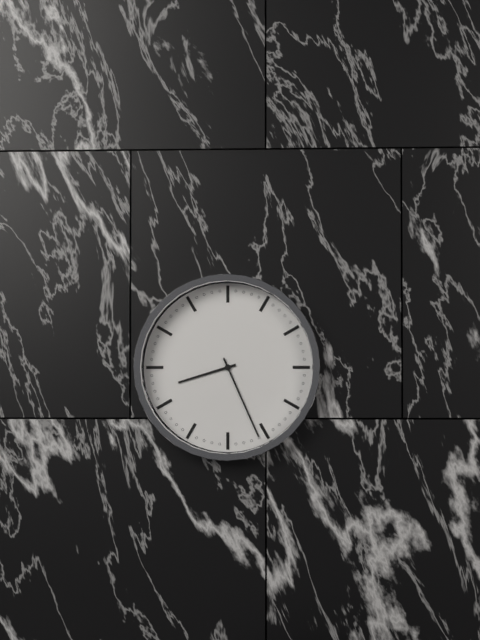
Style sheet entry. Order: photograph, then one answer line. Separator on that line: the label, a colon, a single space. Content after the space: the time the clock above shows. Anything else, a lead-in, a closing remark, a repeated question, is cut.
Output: 8:26
